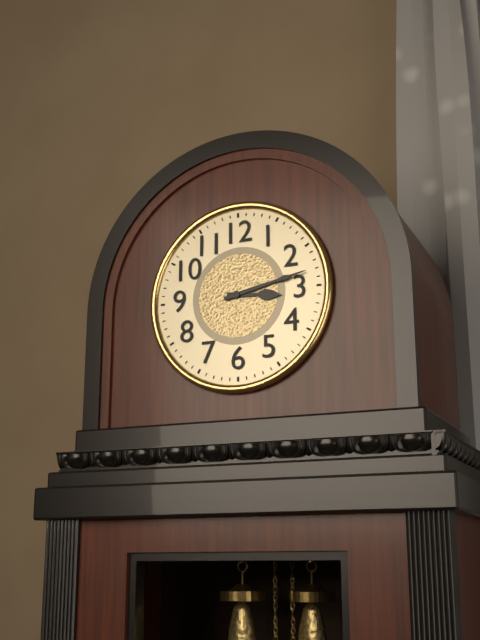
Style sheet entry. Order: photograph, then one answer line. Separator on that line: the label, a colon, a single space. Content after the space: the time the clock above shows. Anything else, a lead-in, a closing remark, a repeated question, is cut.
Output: 3:13
